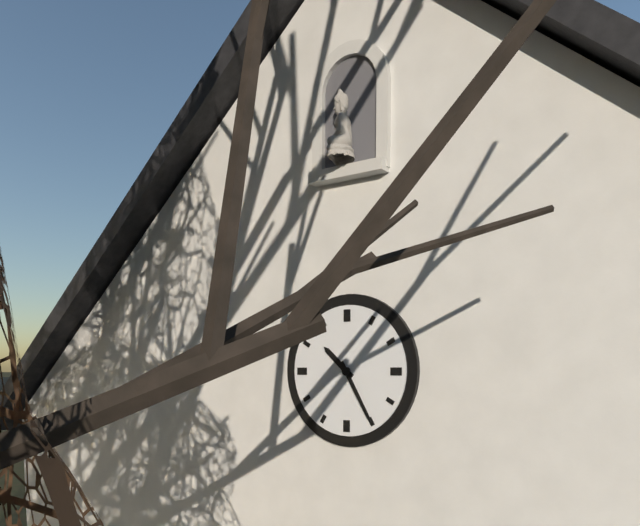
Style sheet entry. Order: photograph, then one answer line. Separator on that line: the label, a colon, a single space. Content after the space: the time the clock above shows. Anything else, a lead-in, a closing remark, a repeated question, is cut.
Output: 10:25
